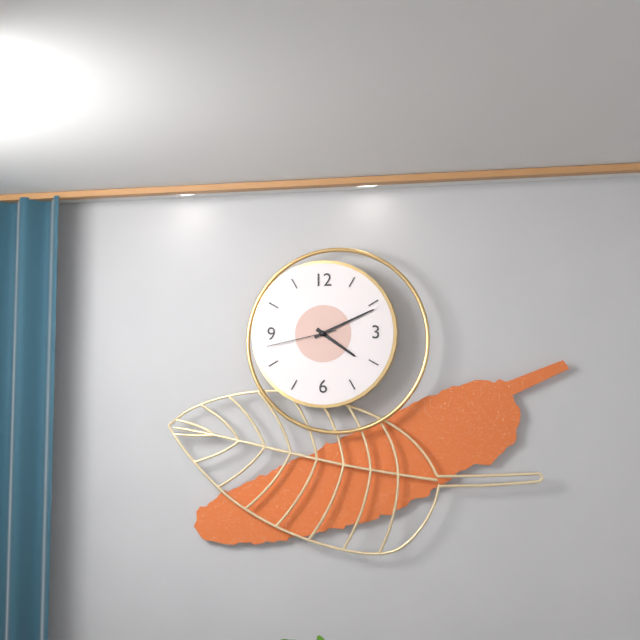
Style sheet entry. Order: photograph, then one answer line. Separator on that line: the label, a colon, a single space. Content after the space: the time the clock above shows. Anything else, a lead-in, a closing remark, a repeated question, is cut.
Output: 4:11:43
